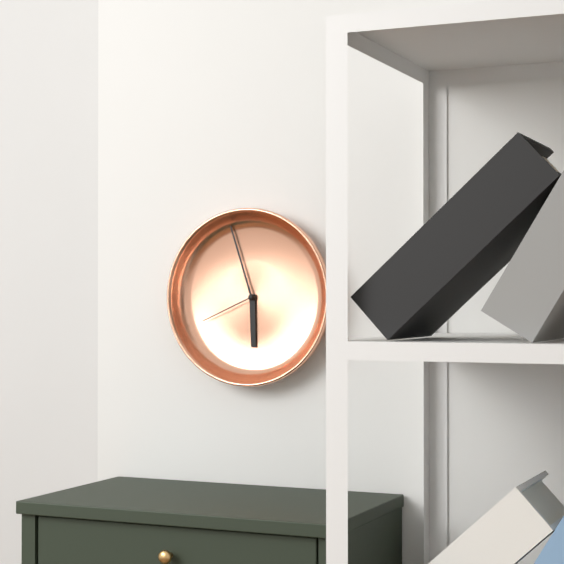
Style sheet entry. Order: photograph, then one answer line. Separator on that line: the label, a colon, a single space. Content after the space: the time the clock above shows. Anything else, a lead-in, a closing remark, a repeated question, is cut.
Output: 5:57:41
